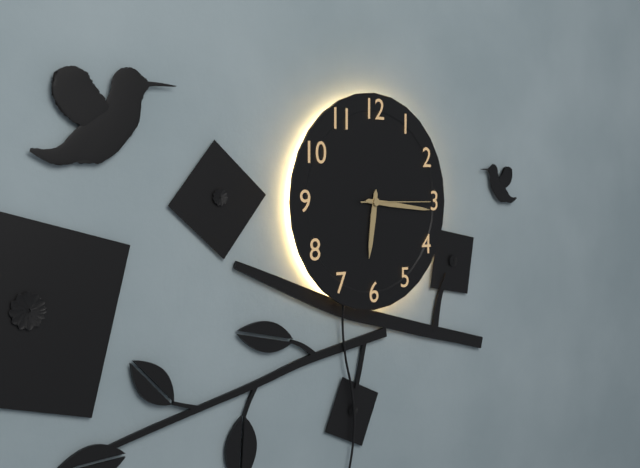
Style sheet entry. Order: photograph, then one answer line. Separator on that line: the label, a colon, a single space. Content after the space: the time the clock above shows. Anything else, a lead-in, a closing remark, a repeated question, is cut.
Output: 6:16:15
